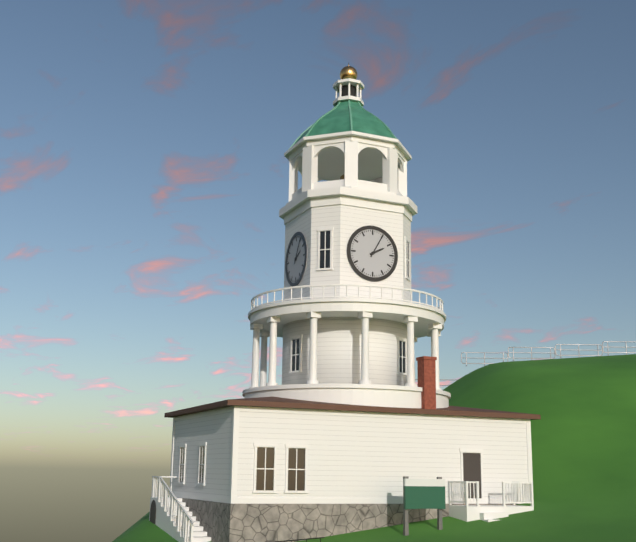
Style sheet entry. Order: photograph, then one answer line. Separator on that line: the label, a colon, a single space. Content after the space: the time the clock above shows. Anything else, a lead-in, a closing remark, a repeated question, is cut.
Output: 2:05
